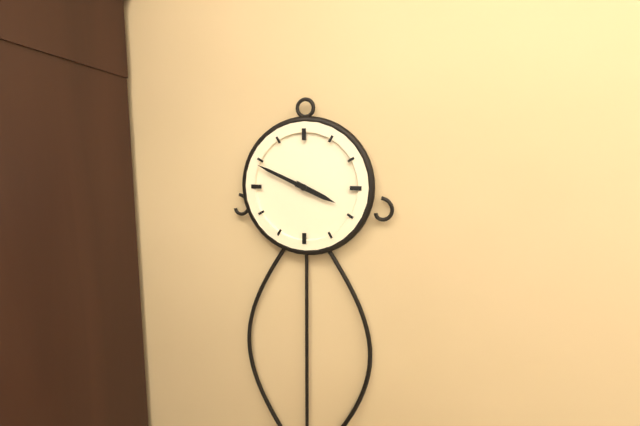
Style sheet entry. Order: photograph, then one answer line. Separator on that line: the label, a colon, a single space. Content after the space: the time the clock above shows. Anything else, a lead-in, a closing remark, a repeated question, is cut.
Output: 3:49
